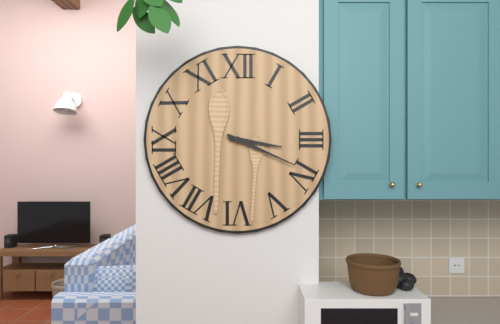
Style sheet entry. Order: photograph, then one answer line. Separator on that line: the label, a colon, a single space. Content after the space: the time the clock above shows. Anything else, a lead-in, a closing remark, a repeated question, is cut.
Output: 3:19
